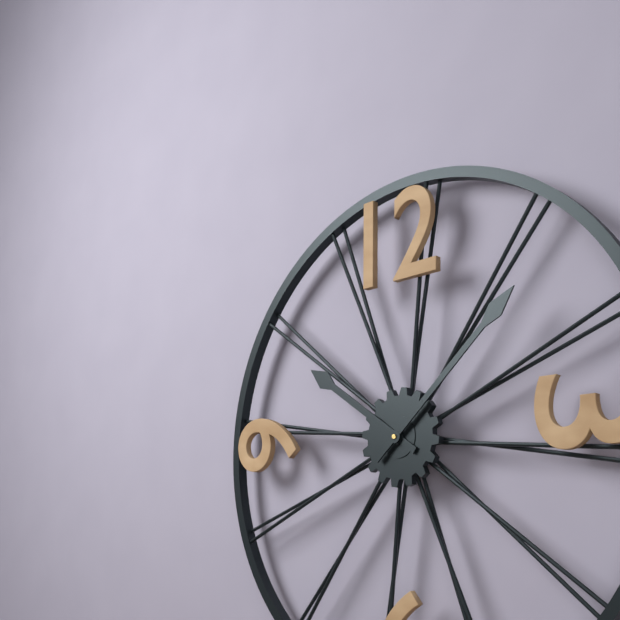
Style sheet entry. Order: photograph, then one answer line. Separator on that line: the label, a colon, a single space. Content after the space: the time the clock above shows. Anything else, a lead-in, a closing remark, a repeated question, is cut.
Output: 10:08
